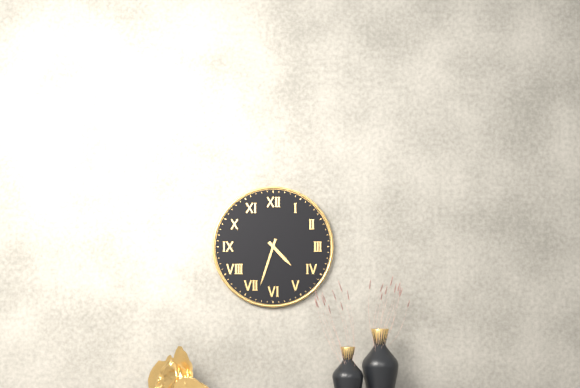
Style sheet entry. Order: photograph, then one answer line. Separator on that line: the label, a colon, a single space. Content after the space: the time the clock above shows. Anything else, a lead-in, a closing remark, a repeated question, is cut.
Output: 4:33
